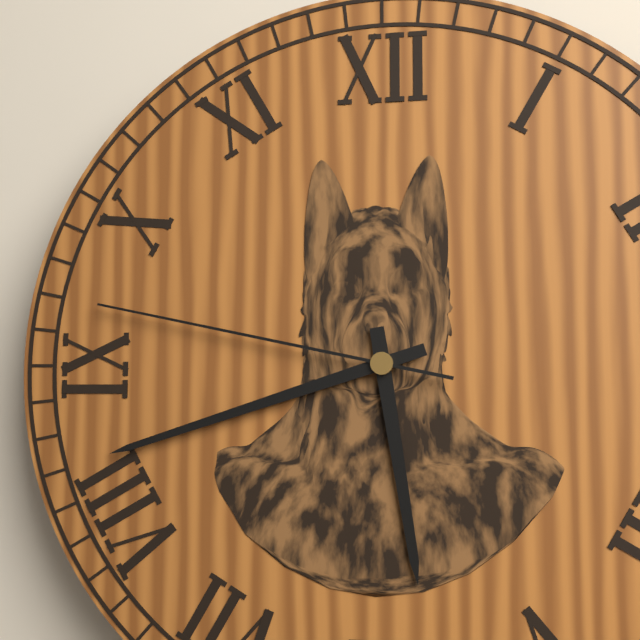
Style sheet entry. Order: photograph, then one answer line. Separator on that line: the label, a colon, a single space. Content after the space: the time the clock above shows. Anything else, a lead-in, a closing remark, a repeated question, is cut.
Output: 5:42:47
